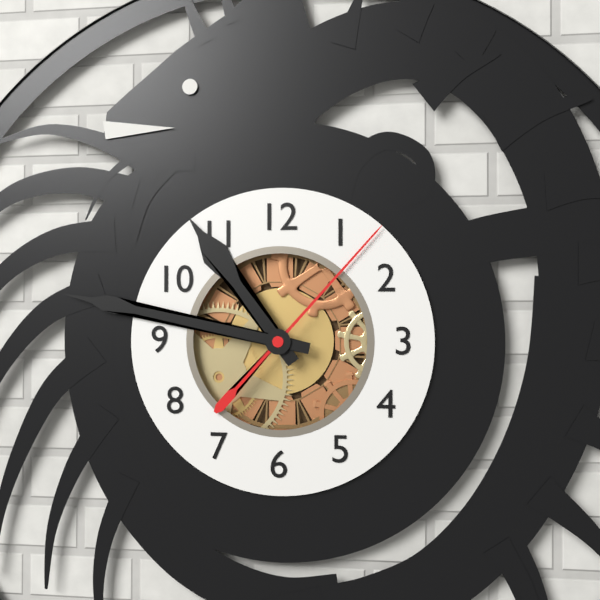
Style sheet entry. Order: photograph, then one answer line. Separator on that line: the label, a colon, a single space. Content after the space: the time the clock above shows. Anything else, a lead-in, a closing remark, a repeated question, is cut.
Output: 10:47:07
